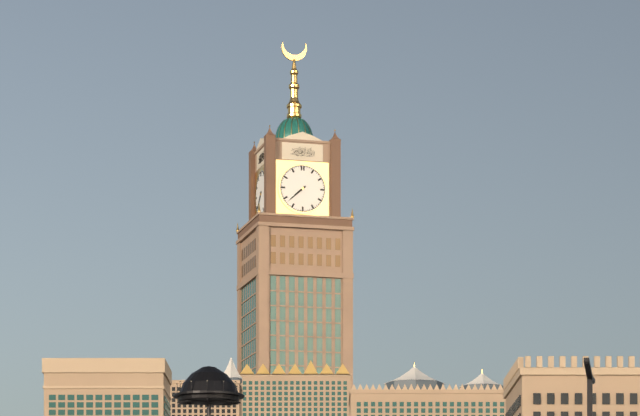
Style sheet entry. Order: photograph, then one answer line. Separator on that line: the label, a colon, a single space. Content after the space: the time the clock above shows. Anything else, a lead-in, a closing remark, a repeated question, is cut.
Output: 7:38
